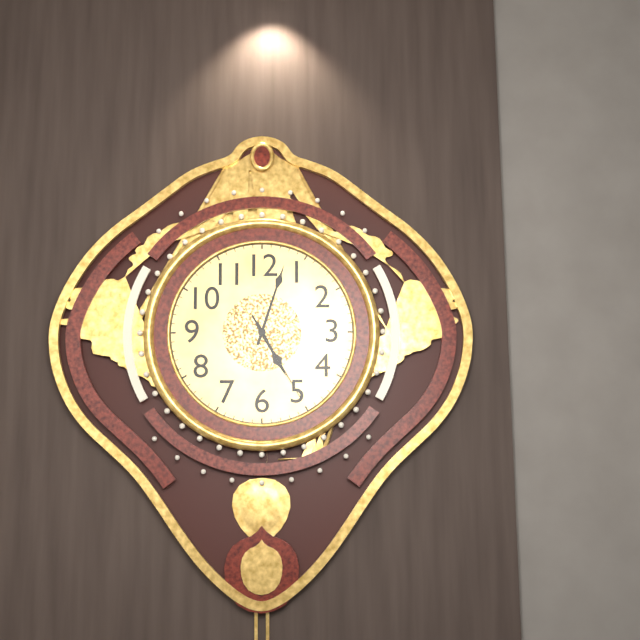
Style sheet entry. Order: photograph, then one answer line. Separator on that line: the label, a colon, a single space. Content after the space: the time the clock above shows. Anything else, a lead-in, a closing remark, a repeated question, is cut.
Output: 5:03:25
